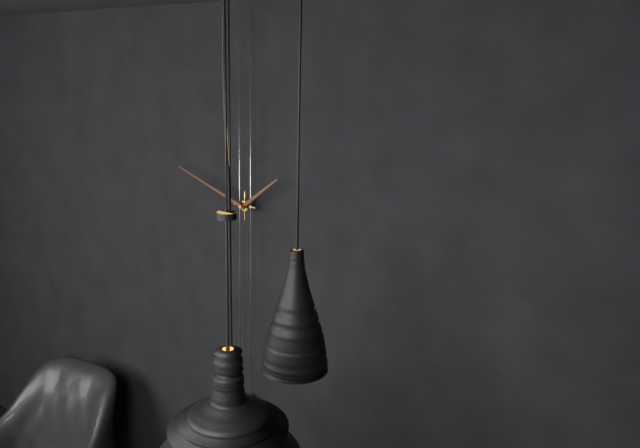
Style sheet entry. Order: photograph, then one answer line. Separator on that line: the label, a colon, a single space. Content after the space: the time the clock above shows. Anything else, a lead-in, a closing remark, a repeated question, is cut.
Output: 1:48
